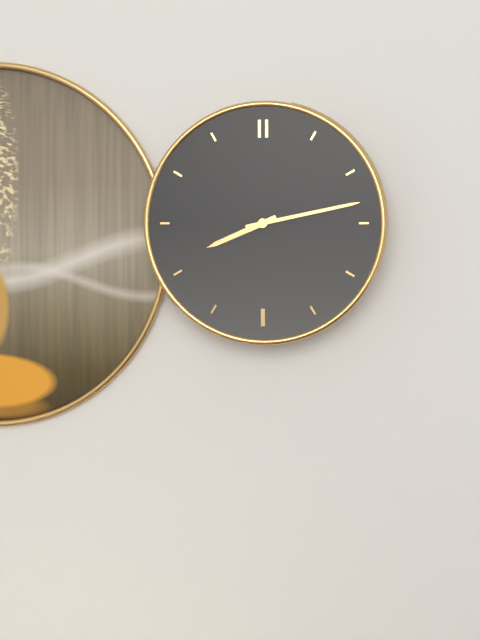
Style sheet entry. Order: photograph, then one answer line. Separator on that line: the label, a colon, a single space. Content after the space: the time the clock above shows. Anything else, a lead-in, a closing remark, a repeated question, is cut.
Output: 8:13
